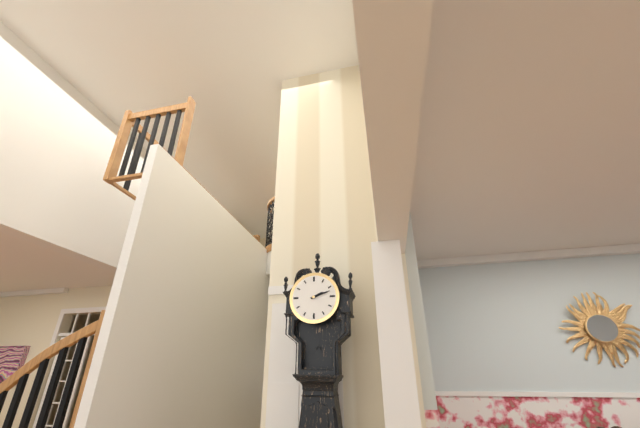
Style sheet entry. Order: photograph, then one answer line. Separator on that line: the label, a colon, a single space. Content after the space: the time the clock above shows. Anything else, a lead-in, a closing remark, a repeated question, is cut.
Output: 2:12
